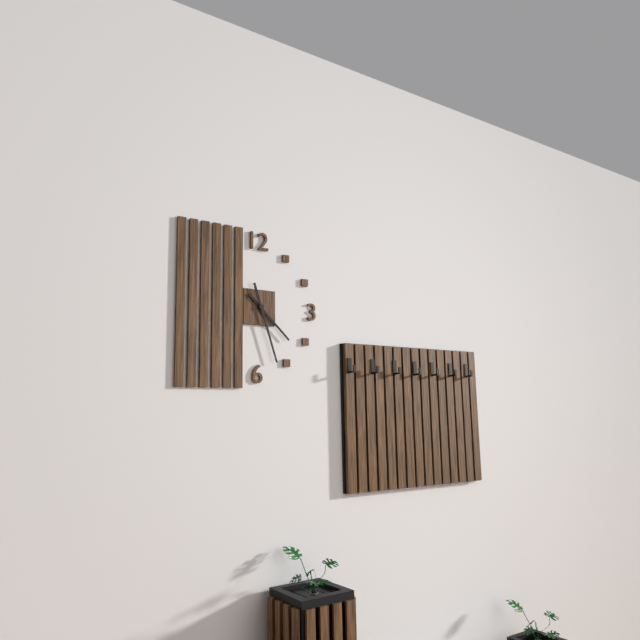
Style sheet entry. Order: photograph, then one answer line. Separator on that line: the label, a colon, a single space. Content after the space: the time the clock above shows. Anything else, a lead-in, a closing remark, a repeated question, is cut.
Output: 4:27
